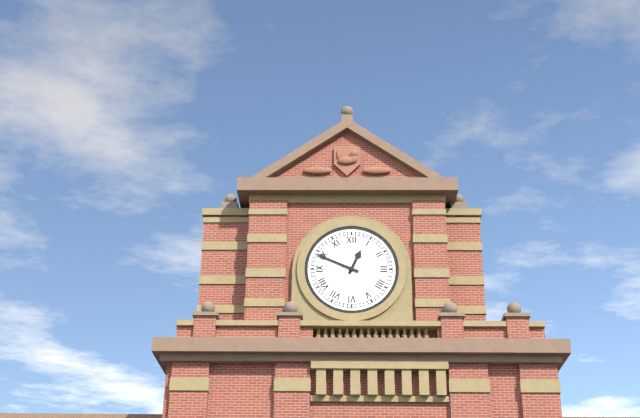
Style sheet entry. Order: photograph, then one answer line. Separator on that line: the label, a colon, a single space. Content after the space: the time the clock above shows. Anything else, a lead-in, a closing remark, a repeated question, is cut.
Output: 12:49
